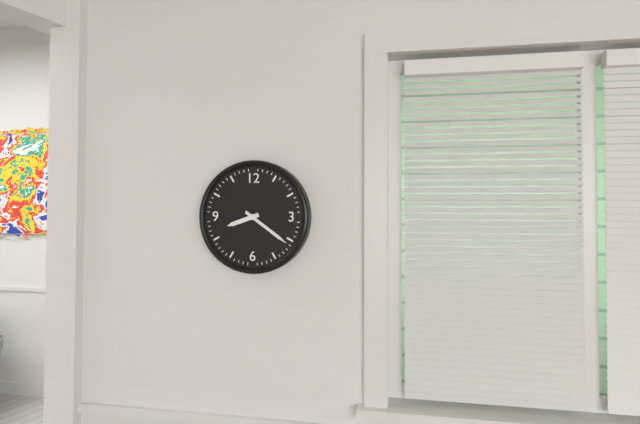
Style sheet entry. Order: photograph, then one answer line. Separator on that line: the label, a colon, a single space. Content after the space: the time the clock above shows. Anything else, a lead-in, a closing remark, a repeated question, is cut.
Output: 8:21
